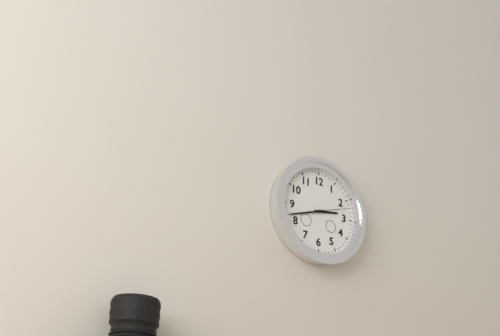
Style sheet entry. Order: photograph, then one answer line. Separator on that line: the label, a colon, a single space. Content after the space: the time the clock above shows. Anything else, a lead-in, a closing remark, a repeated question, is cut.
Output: 2:42
